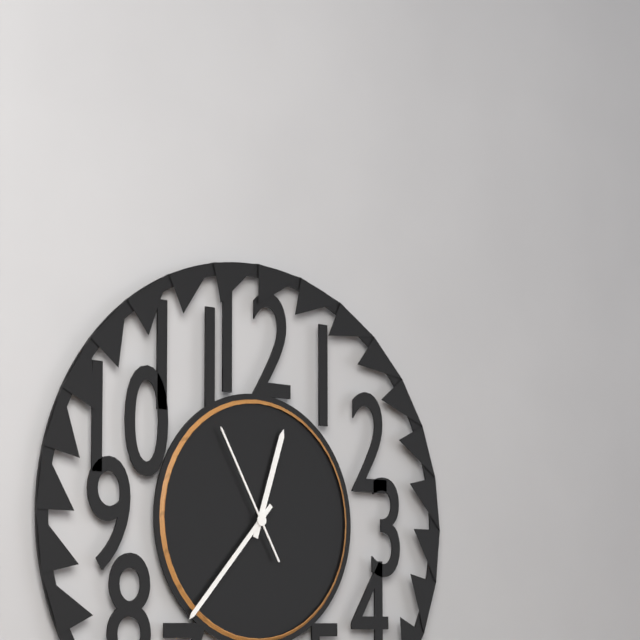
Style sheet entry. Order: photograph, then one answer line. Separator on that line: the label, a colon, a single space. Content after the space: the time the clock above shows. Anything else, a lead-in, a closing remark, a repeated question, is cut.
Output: 12:37:55
